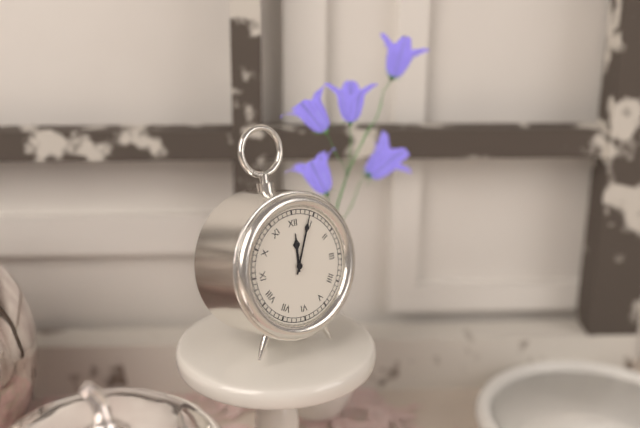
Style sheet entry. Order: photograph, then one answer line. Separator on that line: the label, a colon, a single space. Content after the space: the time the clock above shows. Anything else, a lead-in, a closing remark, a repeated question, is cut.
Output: 12:04
